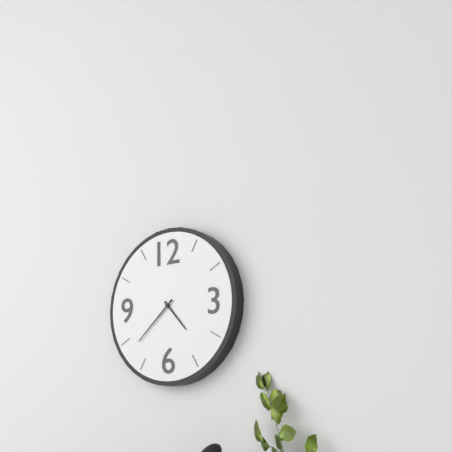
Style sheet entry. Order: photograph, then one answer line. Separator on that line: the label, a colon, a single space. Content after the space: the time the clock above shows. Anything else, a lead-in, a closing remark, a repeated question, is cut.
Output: 4:38
